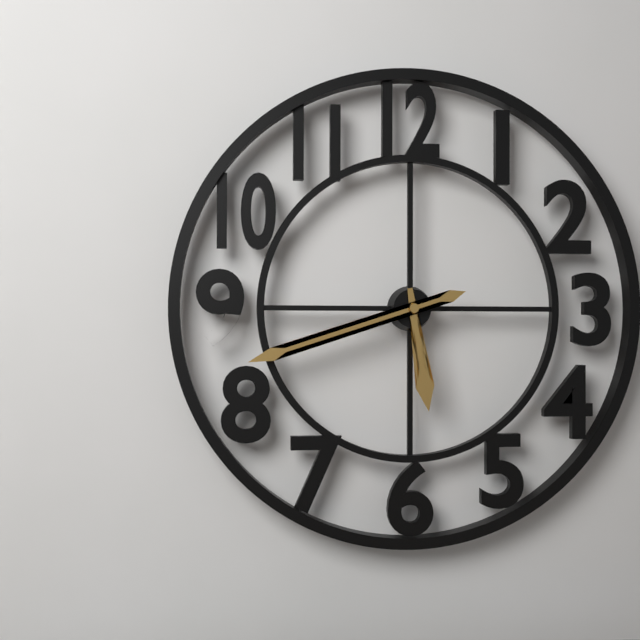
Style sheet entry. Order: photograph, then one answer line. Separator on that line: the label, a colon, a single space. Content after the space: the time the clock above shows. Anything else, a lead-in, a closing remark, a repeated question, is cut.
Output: 5:42
